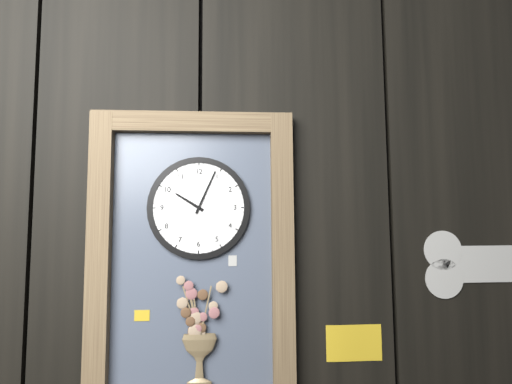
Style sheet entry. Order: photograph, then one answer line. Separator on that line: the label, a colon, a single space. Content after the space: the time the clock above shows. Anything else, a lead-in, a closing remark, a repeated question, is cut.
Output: 10:04
